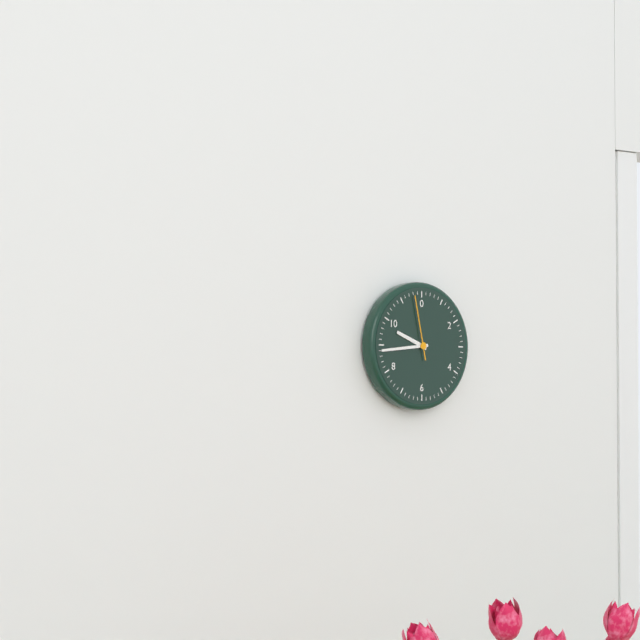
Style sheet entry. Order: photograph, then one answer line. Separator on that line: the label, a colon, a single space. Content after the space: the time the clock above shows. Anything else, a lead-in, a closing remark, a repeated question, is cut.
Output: 9:44:58
